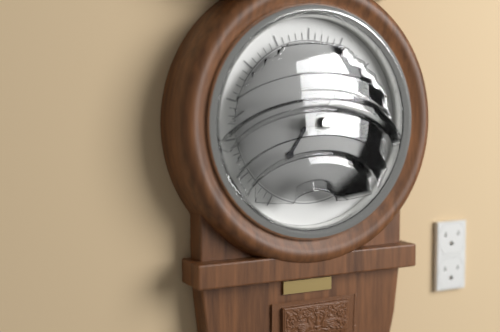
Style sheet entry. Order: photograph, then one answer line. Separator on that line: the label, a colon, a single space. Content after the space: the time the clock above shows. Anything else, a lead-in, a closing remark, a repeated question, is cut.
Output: 7:08
